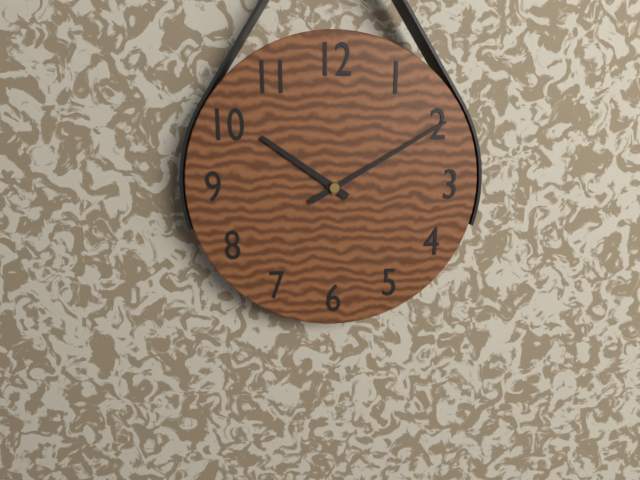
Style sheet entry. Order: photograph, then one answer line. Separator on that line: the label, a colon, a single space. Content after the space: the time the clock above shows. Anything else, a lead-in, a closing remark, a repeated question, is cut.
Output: 10:10
